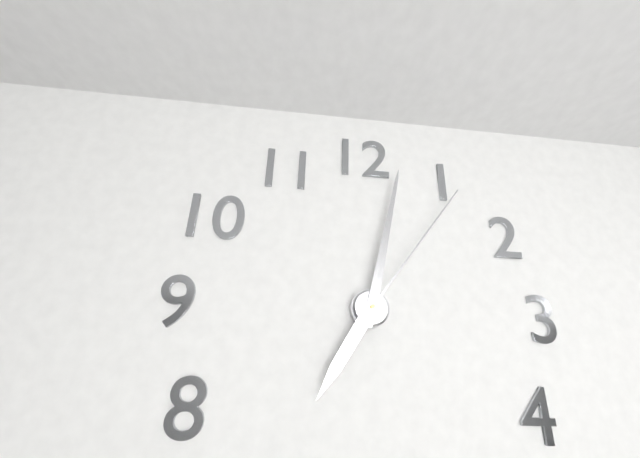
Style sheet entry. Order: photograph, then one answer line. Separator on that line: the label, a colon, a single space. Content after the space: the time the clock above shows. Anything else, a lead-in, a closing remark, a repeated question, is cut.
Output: 7:02:06
